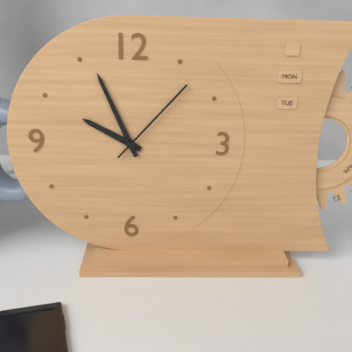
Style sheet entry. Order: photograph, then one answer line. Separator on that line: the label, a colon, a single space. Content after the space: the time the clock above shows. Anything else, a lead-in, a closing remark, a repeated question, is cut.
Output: 9:56:07
